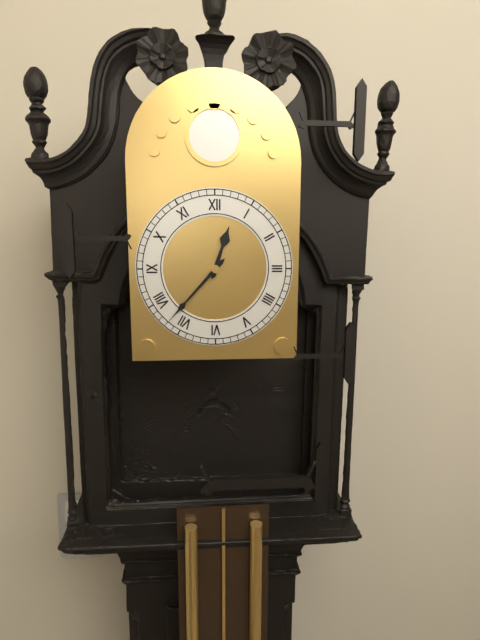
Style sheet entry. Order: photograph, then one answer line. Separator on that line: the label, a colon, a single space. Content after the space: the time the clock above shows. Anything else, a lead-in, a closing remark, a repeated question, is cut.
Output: 12:37
